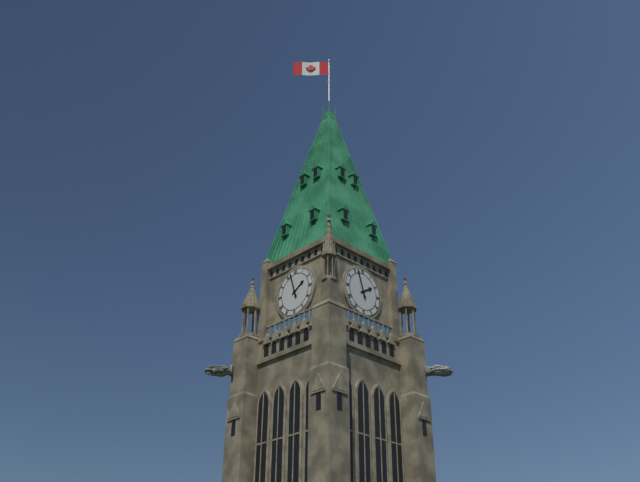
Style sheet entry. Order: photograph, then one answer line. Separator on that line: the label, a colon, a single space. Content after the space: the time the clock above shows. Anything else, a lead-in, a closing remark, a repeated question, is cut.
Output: 1:57
